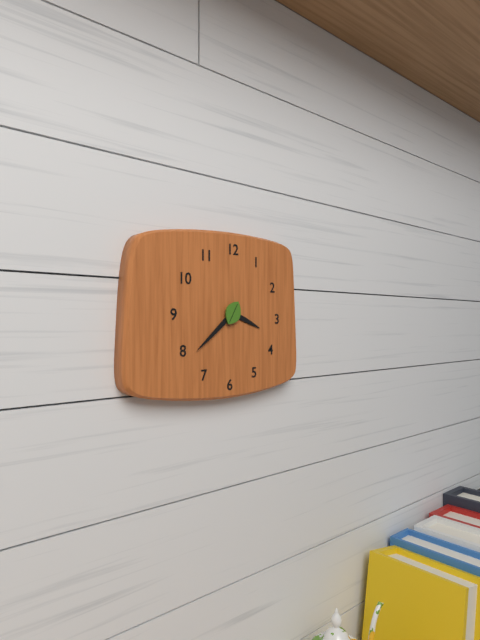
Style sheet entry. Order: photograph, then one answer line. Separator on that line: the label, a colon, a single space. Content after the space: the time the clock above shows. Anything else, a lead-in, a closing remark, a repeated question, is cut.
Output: 3:38
